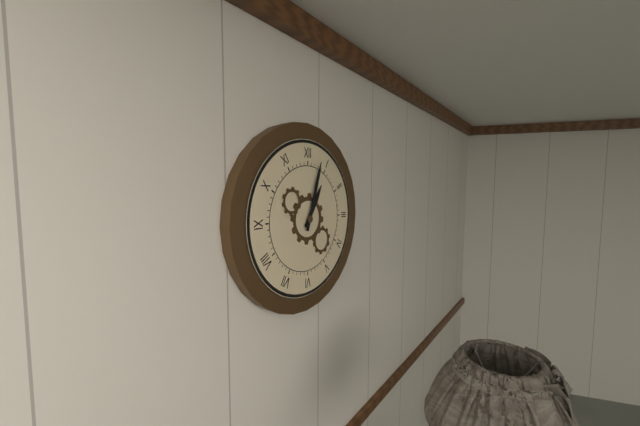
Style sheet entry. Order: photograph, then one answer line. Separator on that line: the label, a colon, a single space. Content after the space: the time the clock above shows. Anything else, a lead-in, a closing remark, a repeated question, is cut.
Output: 1:03
